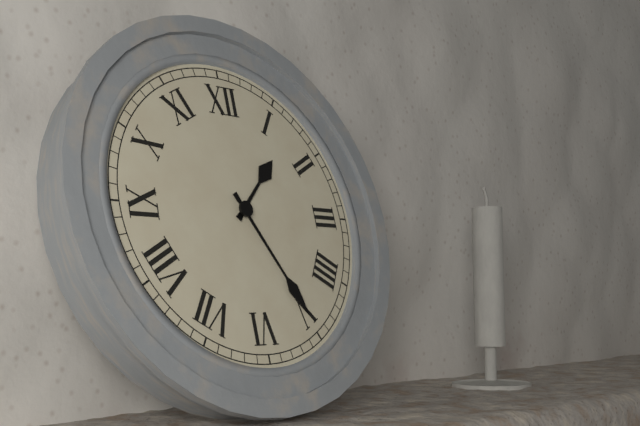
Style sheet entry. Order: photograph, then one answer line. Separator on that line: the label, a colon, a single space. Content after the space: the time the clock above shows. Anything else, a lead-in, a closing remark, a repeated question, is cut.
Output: 1:25
